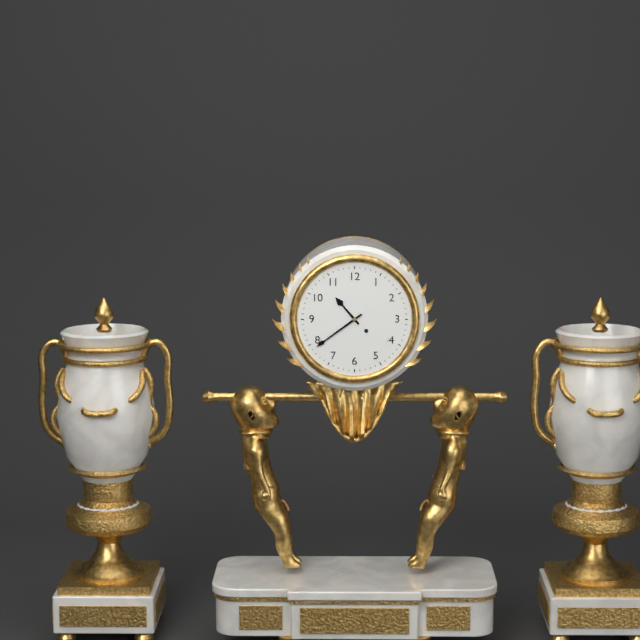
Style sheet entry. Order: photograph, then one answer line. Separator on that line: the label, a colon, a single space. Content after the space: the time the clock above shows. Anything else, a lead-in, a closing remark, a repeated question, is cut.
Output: 10:39
